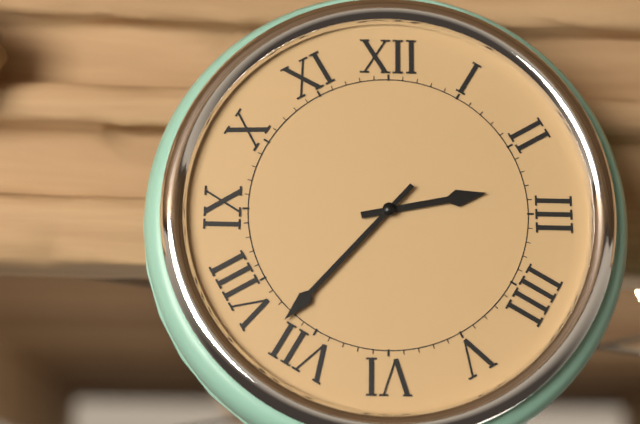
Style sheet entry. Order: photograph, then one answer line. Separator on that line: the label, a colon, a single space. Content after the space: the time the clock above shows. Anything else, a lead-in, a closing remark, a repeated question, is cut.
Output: 2:37
